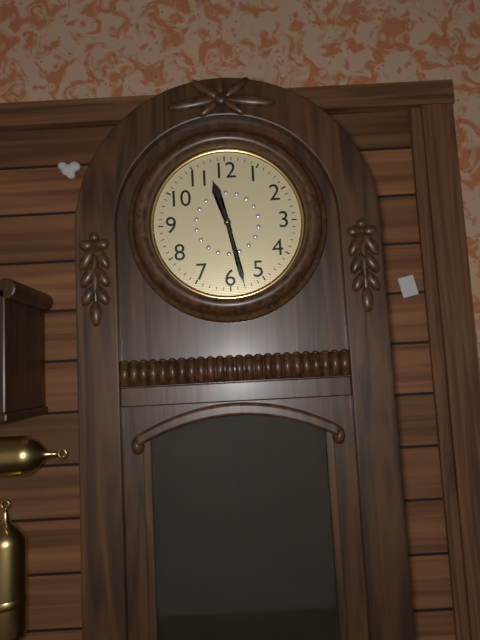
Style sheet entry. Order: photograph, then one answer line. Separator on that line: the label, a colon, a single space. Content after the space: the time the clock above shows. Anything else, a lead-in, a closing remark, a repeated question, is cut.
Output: 11:28
